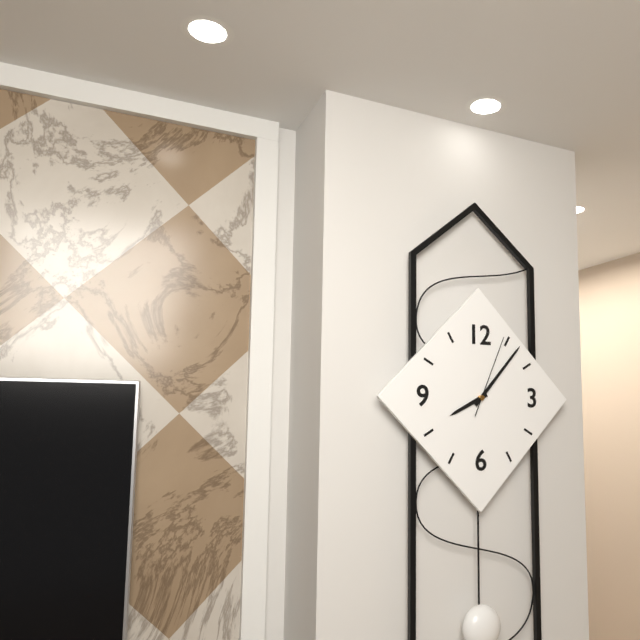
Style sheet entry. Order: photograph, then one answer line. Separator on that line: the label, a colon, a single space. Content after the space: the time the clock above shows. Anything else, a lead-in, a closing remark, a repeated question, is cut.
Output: 8:07:04
